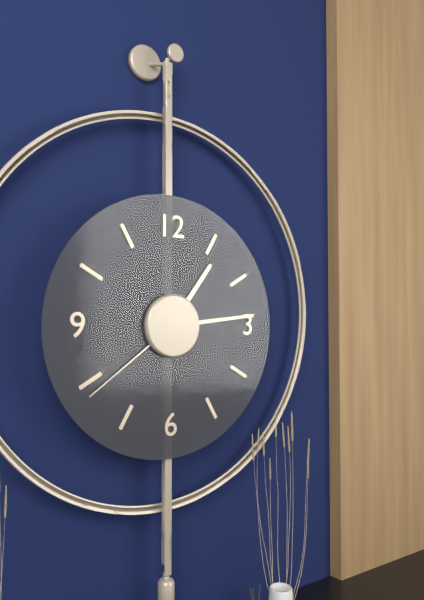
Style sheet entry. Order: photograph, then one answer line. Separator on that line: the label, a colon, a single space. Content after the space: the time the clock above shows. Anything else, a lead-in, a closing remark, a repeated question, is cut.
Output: 1:14:39
